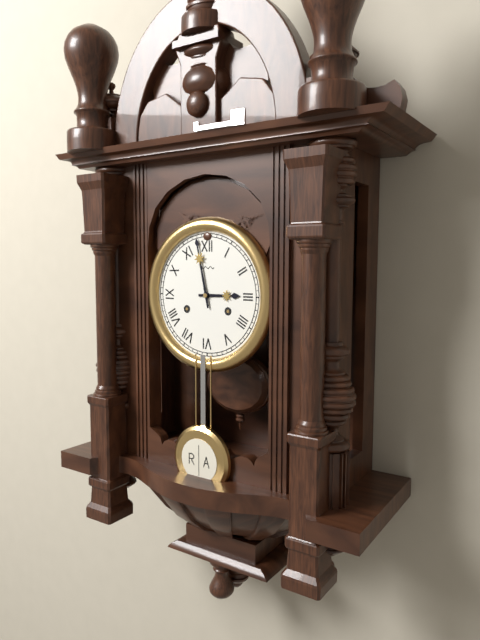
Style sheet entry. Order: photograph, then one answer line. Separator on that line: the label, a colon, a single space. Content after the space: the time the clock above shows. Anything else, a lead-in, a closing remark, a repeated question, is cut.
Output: 2:58
